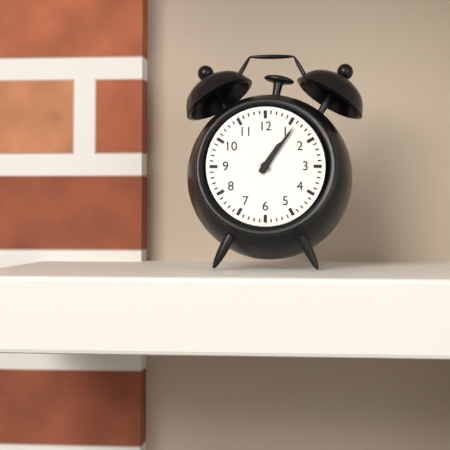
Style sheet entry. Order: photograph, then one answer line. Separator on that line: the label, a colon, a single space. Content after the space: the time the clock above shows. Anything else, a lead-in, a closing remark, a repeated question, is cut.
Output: 1:06
